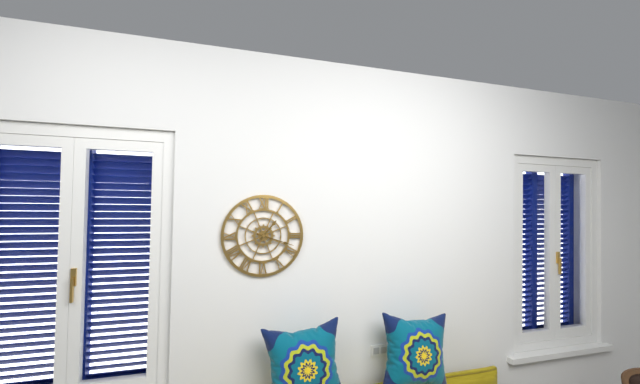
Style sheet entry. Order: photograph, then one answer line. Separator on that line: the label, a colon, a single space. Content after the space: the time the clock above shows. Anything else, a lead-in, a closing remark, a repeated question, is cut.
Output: 1:18
